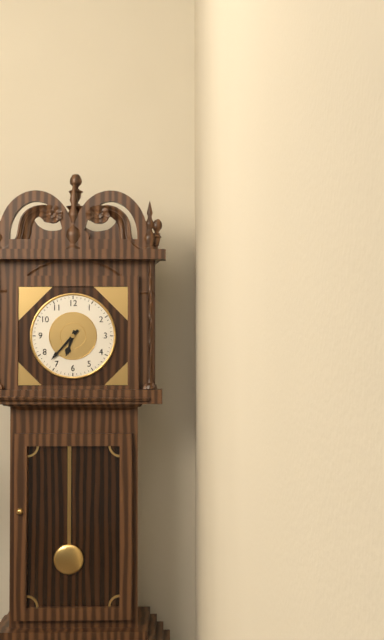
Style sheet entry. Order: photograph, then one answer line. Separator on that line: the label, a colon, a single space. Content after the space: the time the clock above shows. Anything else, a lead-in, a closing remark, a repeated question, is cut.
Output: 6:37
